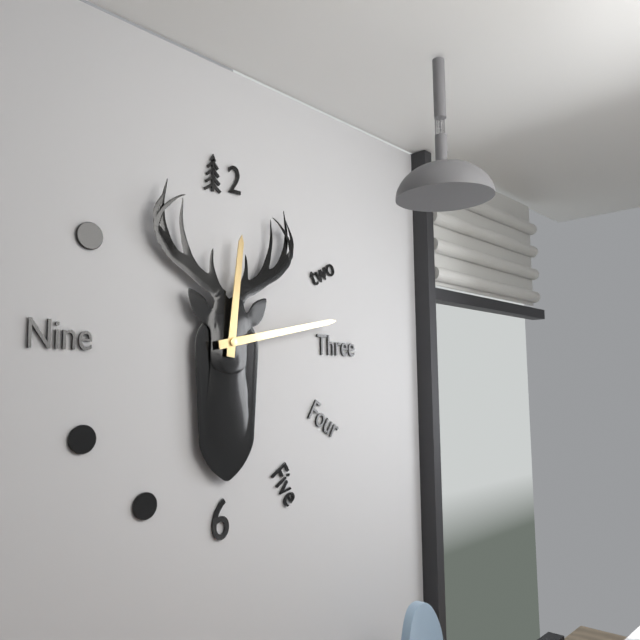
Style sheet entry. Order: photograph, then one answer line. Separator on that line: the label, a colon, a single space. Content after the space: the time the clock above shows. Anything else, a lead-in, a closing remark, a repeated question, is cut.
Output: 12:13
